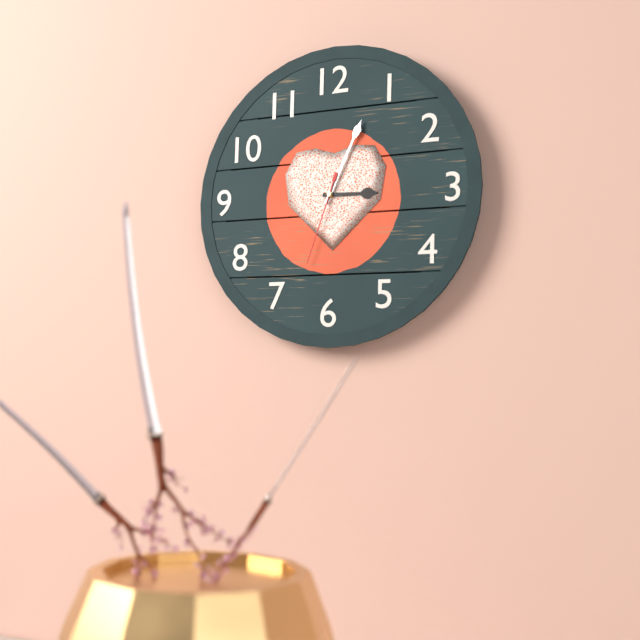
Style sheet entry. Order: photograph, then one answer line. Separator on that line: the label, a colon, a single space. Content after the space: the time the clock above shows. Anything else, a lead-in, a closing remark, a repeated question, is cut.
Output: 3:04:33
